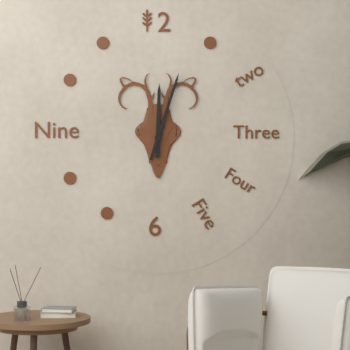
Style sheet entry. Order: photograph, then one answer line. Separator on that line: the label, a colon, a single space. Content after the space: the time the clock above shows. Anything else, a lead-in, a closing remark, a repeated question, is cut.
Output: 12:03
